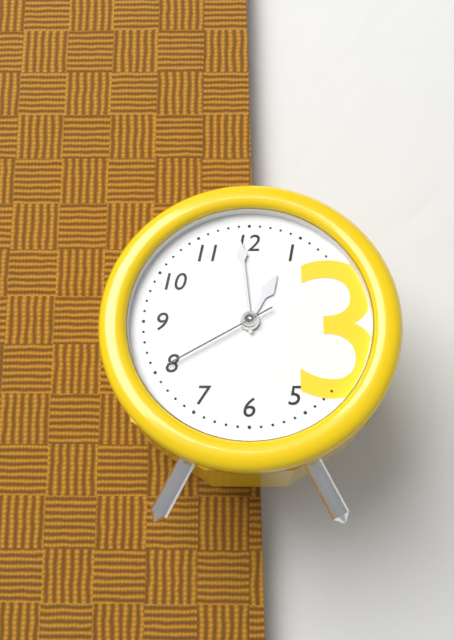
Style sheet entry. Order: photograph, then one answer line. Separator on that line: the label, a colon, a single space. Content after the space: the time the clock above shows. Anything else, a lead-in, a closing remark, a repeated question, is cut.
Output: 12:59:40
